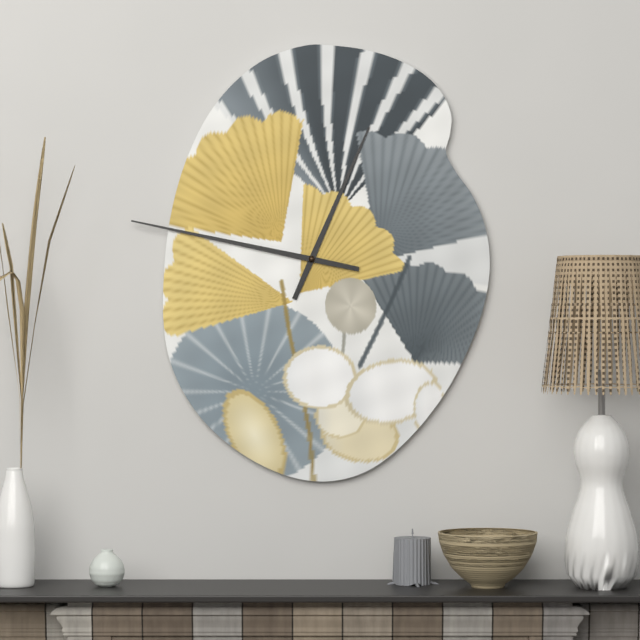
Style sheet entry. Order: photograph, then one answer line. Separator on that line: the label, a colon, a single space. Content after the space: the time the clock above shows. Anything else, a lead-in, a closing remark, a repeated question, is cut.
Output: 12:47
